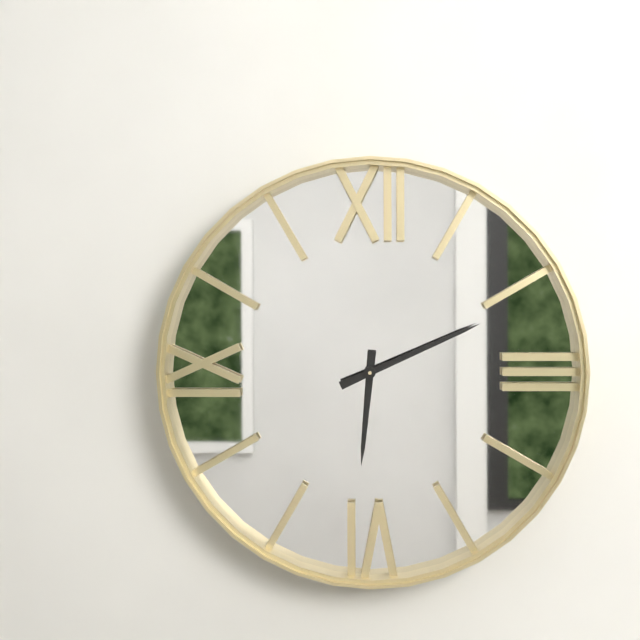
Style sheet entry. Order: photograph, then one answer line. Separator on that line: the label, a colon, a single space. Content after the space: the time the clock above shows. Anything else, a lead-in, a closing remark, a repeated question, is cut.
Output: 6:11
